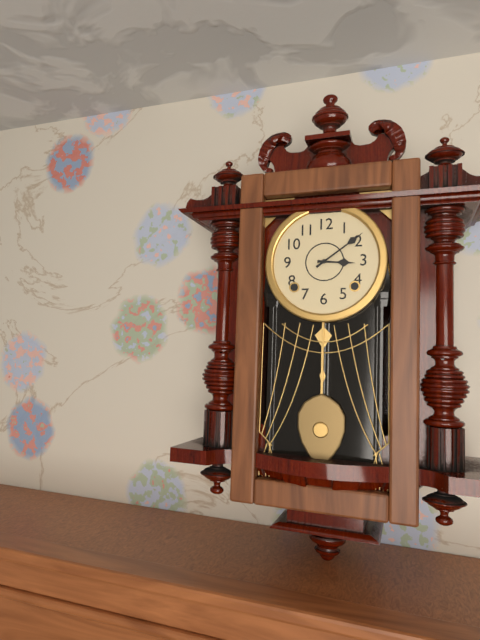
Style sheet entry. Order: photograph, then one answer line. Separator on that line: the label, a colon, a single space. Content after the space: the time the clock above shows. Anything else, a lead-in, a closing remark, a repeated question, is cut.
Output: 3:09
